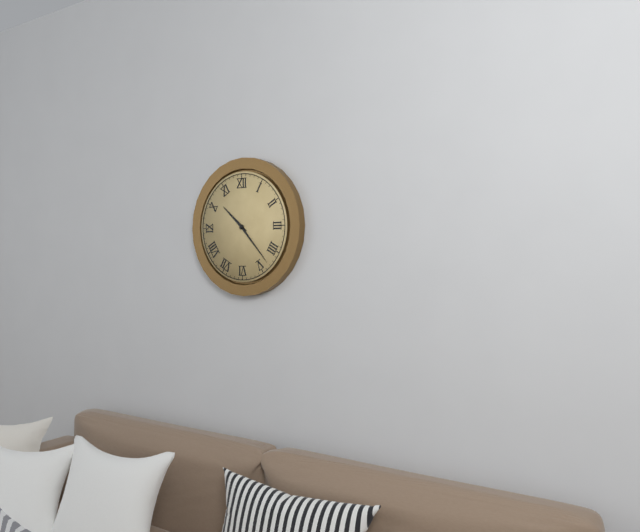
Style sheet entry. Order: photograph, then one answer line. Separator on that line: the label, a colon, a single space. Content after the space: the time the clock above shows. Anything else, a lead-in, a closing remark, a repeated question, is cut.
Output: 10:23
